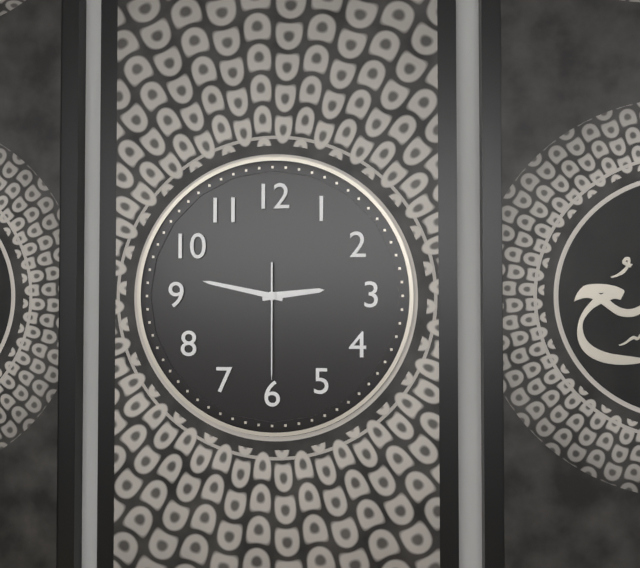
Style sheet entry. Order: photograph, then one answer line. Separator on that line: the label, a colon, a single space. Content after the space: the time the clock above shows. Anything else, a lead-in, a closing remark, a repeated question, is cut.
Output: 2:47:30
